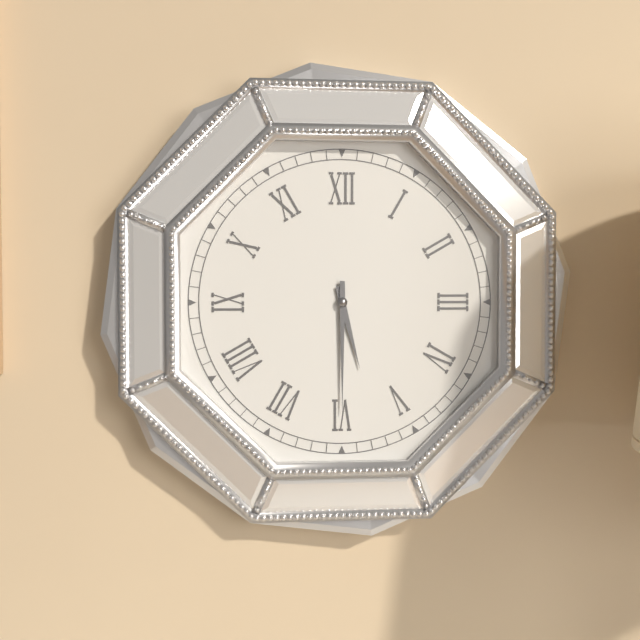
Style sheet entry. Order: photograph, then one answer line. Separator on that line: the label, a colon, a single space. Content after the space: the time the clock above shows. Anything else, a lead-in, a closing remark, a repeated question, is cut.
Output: 5:30
